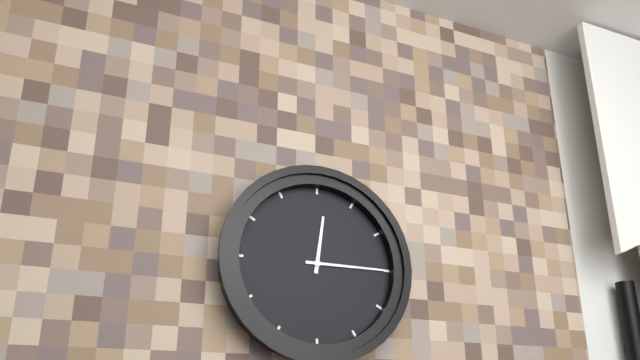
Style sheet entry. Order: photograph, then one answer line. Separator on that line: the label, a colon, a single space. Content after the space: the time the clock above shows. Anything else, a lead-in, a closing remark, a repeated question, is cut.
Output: 12:15
